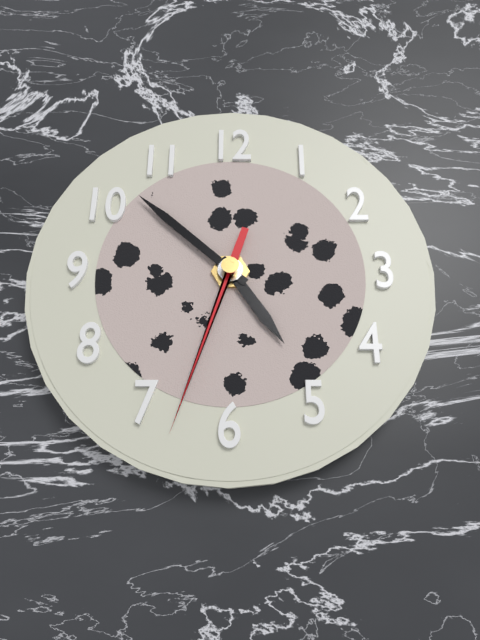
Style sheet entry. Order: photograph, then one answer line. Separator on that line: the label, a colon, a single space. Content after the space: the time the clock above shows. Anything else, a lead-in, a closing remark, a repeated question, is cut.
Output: 4:52:33
